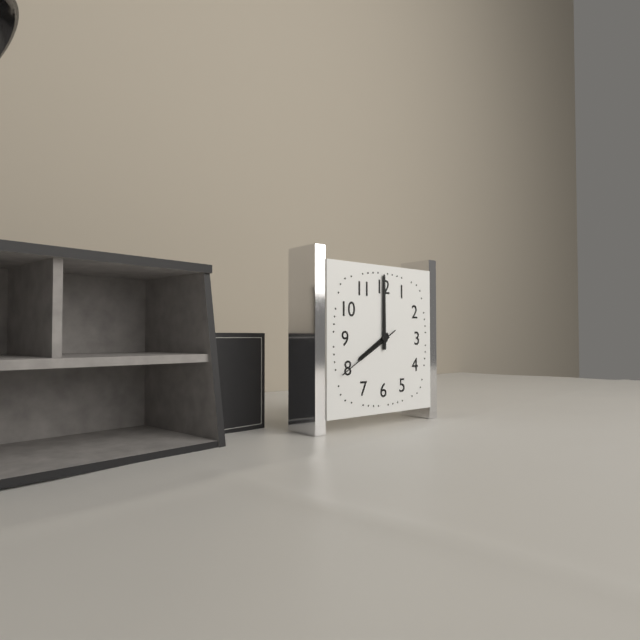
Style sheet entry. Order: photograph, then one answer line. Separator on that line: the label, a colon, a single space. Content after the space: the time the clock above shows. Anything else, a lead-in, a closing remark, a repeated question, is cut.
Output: 8:00:40
